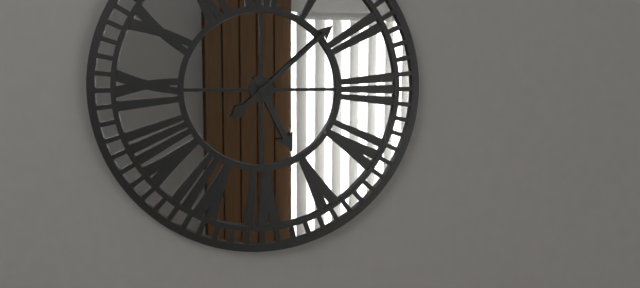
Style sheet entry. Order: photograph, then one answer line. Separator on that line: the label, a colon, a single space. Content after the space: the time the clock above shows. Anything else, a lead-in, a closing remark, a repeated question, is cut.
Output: 5:08
